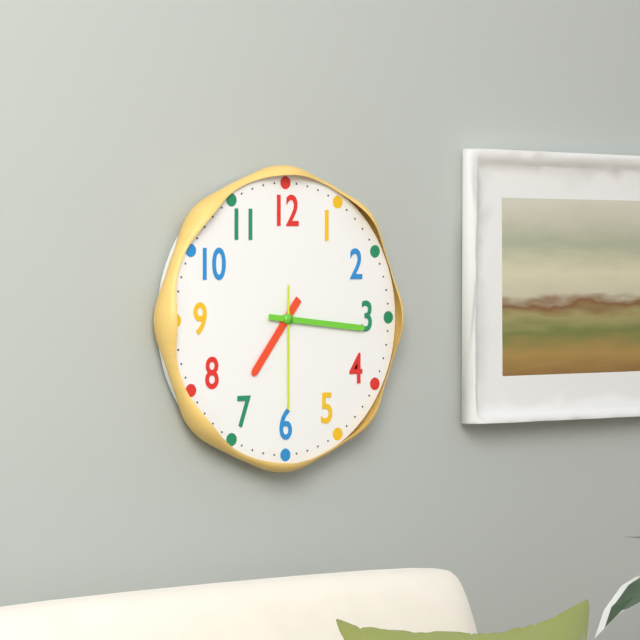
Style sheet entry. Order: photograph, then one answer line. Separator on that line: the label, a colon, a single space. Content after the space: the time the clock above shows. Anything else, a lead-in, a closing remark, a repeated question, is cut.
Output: 7:16:30
